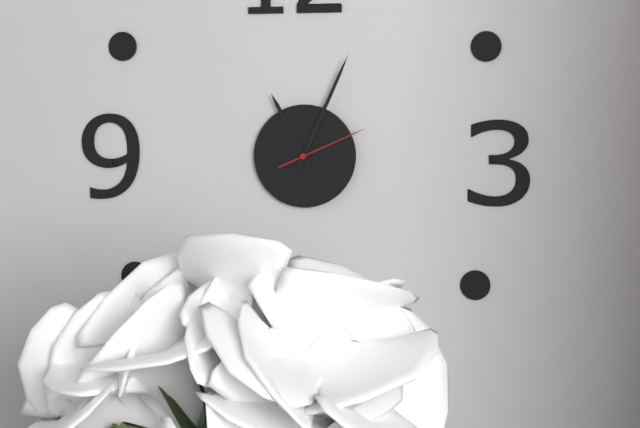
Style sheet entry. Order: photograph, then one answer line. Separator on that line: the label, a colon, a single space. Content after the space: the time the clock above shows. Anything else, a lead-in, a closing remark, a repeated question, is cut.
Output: 11:04:11
